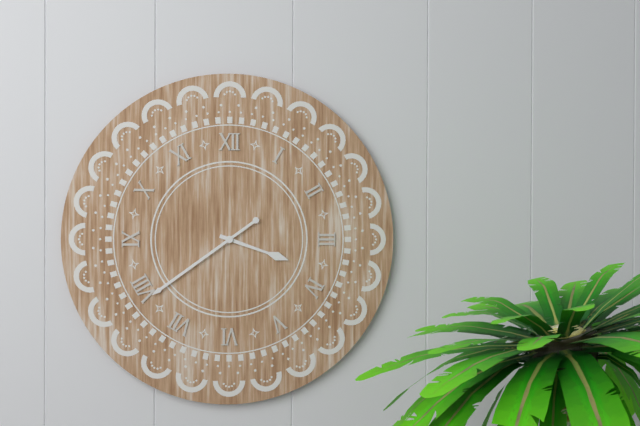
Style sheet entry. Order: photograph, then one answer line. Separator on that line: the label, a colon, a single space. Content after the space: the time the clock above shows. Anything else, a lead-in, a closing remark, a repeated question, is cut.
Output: 3:39
